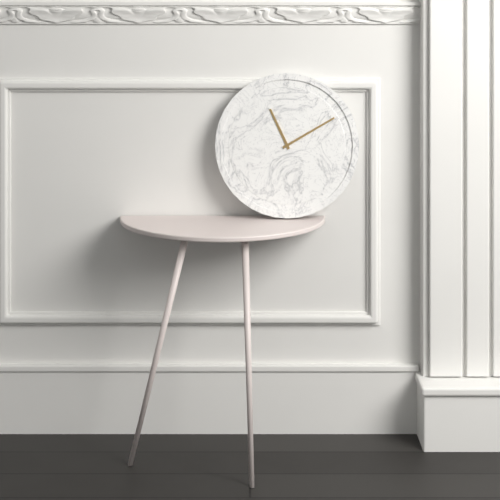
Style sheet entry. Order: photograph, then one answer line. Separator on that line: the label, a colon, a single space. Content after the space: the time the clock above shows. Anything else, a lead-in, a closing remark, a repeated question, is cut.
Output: 11:10
